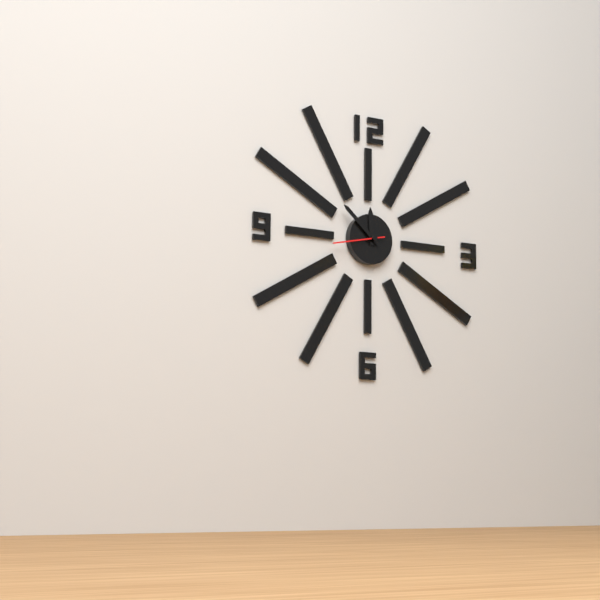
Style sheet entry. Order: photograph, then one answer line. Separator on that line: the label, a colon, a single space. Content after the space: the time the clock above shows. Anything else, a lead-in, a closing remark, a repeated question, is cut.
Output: 11:52
